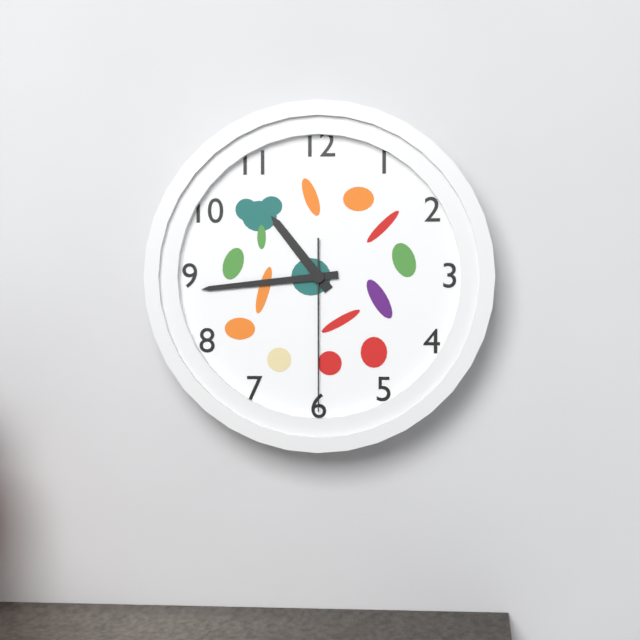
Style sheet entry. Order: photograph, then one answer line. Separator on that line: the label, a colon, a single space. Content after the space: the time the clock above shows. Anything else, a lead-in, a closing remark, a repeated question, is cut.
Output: 10:44:30
